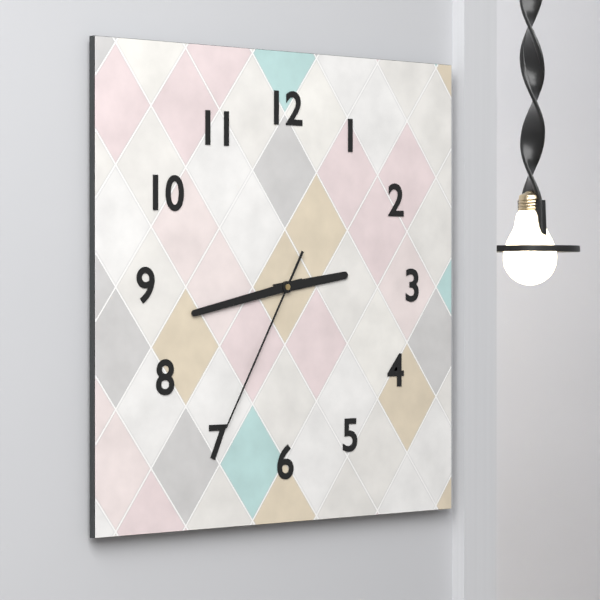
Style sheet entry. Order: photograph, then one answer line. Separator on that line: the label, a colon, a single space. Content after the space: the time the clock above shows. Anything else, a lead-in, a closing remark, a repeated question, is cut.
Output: 2:43:35
